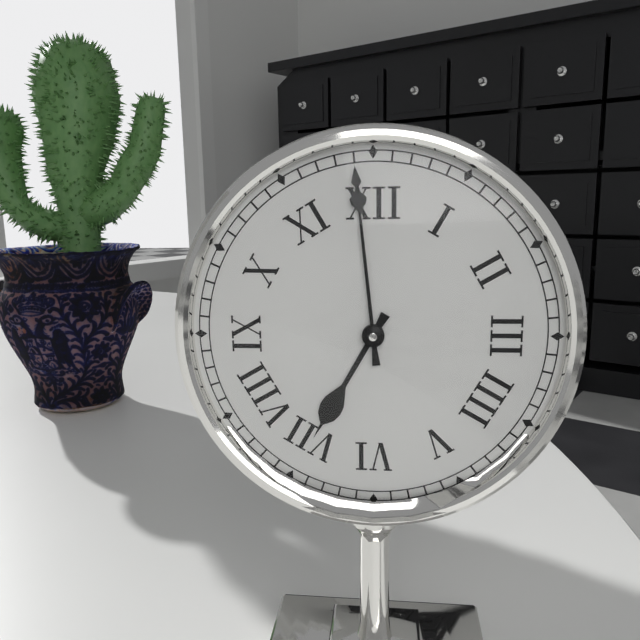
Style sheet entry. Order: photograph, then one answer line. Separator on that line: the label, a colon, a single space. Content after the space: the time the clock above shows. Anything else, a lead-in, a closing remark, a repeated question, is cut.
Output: 6:59
